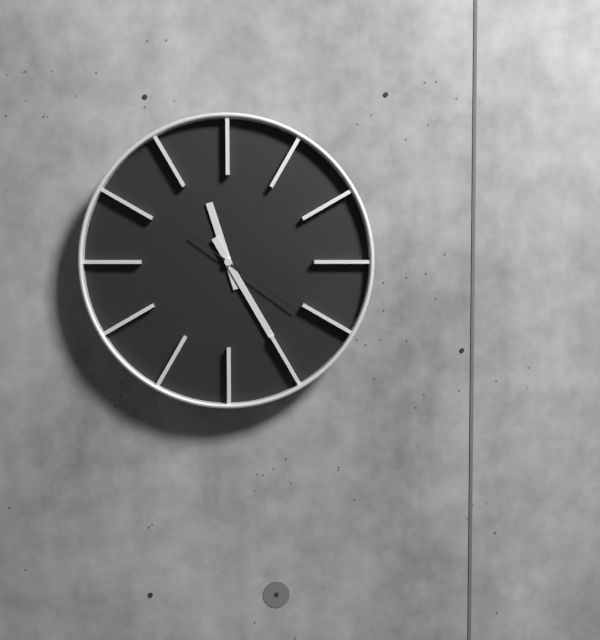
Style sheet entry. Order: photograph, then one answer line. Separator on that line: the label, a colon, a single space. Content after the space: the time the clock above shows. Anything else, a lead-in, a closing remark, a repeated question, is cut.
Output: 11:25:21
